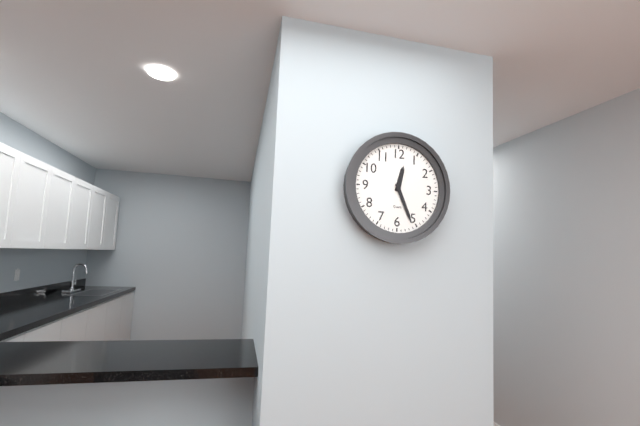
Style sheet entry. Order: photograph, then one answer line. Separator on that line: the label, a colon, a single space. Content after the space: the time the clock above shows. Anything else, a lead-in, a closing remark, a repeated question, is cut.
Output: 12:26
